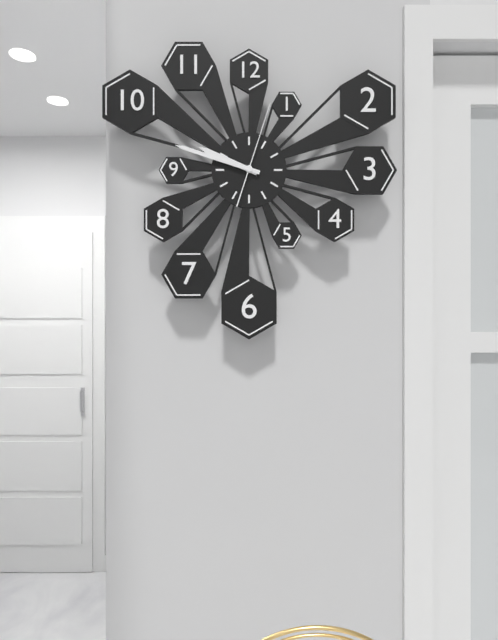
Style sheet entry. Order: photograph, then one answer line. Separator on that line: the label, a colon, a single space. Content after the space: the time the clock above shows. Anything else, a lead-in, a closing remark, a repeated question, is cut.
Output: 9:48:03
